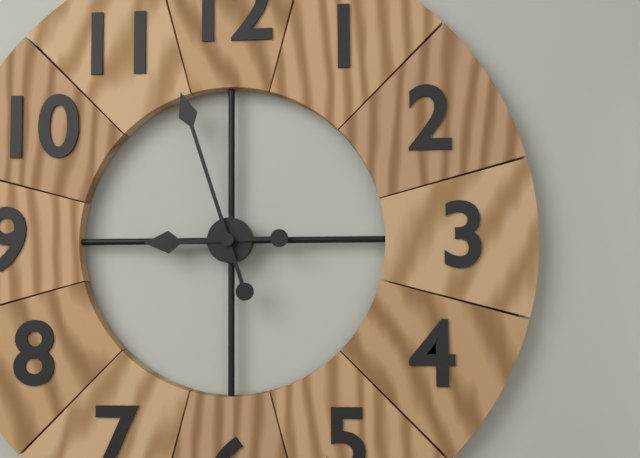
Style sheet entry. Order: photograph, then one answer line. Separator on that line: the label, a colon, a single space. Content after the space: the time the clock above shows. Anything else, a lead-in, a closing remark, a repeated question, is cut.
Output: 8:57
